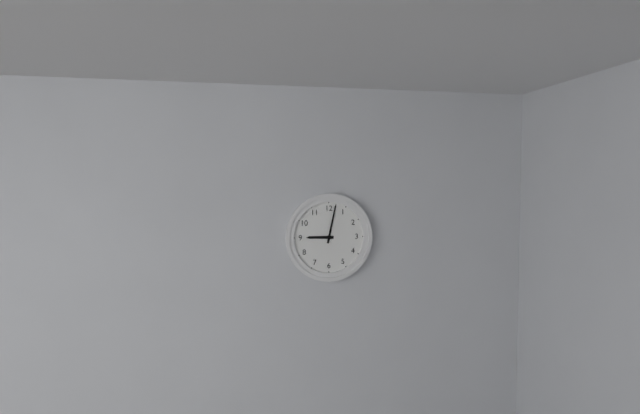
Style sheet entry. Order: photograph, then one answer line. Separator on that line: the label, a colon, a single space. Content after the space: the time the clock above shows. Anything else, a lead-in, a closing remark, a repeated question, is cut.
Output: 9:02
